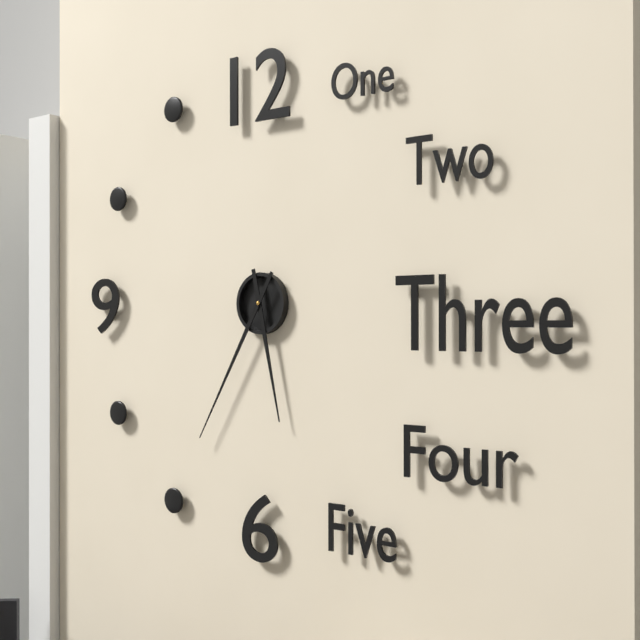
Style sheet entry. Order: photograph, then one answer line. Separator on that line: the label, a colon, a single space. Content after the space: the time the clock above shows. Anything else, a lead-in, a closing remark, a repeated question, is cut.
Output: 5:35
